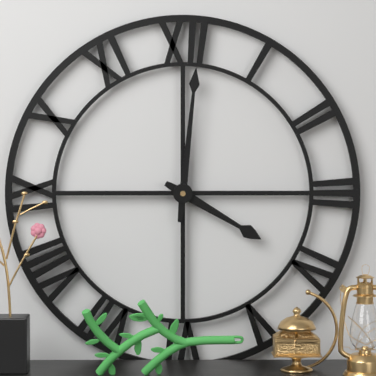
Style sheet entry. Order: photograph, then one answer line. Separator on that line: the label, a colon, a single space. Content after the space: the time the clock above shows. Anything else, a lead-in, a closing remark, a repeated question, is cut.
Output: 4:01
